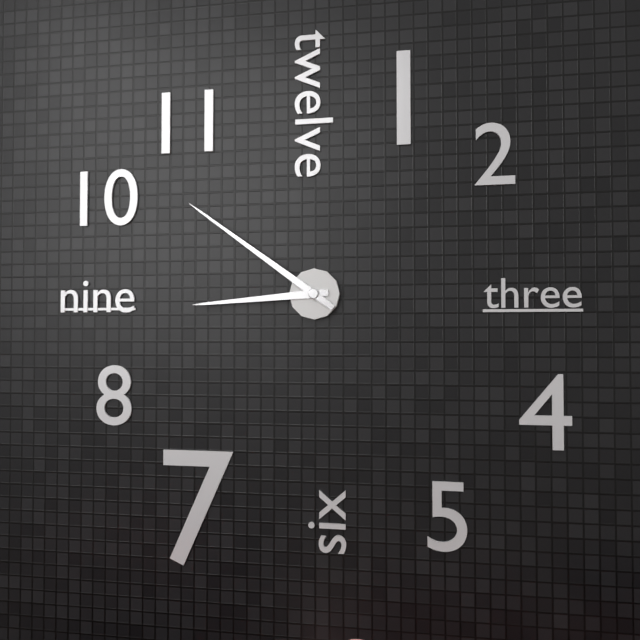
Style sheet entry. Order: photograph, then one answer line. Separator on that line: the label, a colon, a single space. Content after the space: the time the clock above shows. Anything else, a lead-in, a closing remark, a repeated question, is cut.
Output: 8:51
